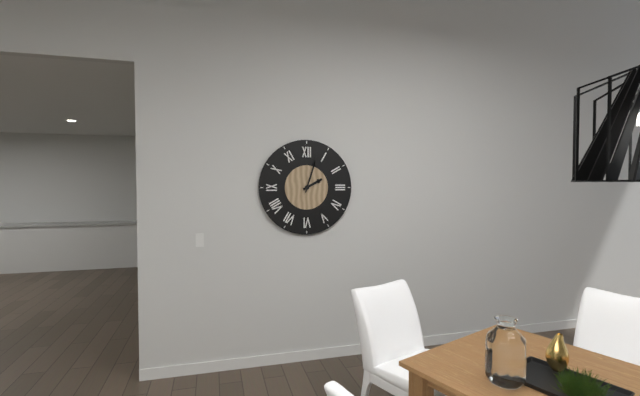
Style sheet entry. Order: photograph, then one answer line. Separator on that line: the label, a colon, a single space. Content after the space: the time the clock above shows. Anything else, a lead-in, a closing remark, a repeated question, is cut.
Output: 2:03
